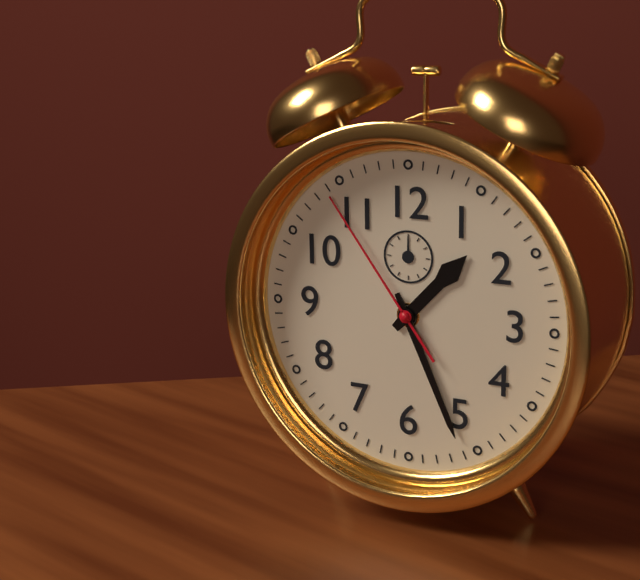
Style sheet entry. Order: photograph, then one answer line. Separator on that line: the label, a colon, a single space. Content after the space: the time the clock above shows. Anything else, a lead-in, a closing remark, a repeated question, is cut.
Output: 1:26:54
